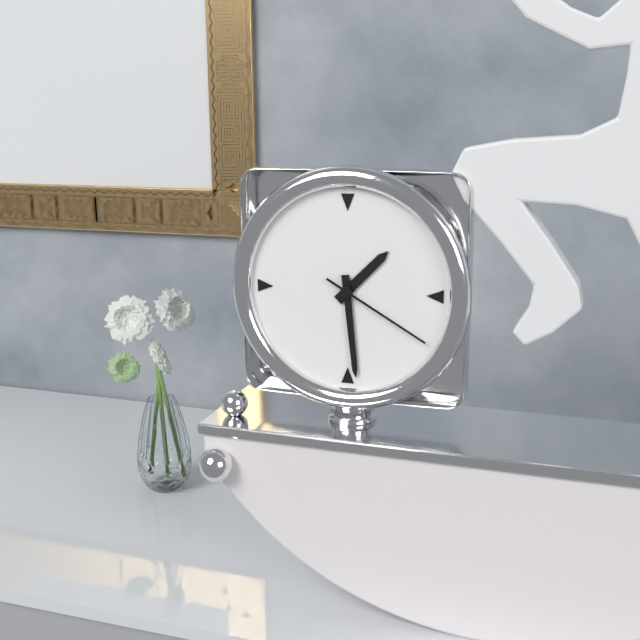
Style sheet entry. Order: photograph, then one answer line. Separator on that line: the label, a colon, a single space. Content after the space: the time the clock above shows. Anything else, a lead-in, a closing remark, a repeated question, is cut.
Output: 1:29:20
